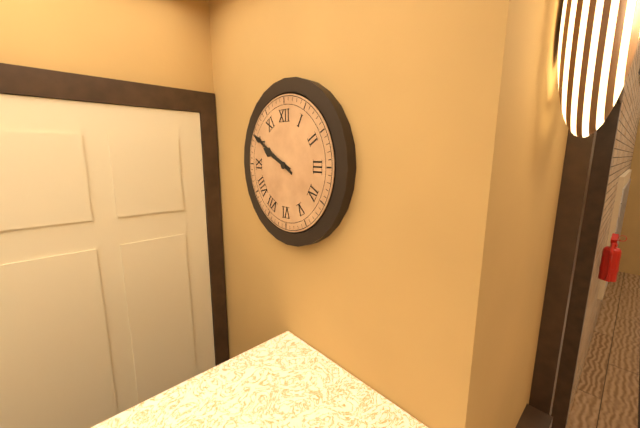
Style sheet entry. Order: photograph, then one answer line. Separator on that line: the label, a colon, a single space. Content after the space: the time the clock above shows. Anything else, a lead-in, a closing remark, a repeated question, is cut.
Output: 9:50
